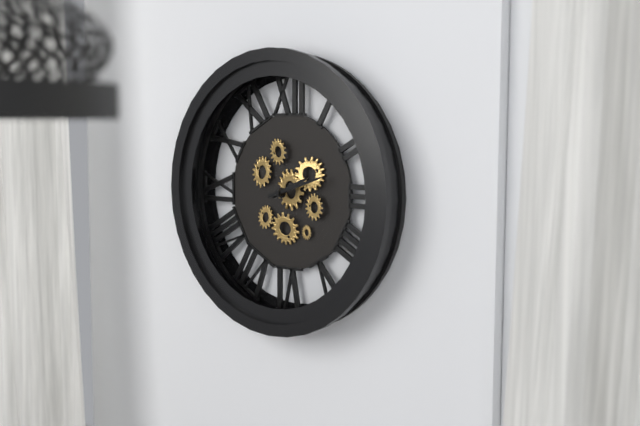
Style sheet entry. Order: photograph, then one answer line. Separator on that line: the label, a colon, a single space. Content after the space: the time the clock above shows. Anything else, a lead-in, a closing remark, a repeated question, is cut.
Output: 2:12
